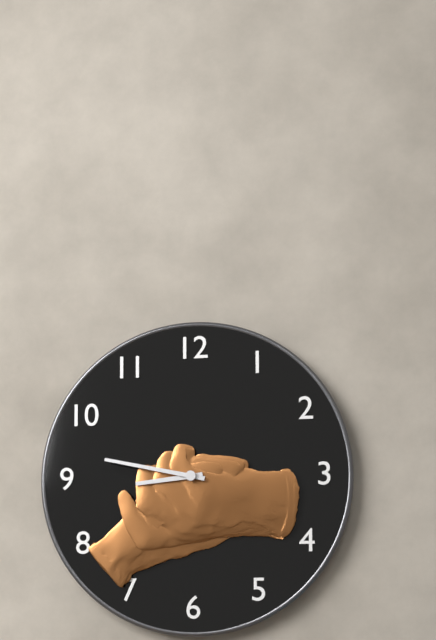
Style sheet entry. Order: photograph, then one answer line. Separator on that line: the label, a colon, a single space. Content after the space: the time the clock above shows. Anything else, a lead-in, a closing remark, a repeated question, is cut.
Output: 8:47
